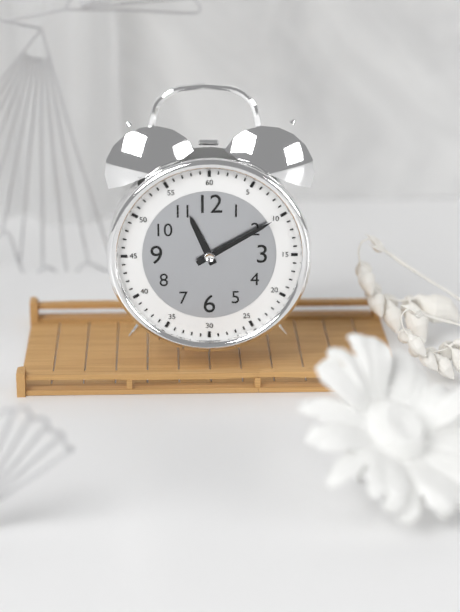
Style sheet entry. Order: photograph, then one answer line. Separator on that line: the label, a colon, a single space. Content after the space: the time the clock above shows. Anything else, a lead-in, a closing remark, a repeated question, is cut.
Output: 11:10
